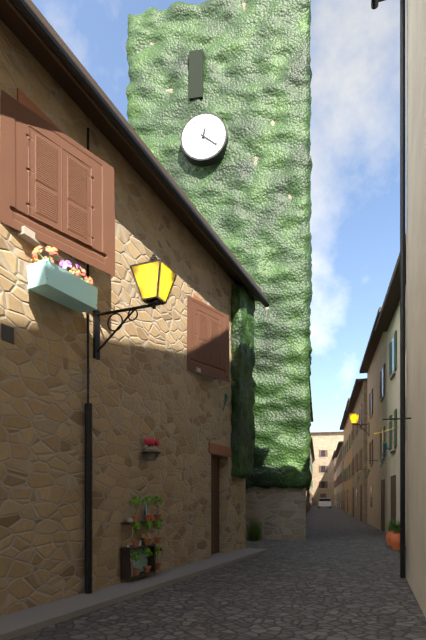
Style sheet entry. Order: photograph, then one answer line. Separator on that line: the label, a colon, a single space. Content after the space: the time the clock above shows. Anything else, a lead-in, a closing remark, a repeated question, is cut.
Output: 12:21
